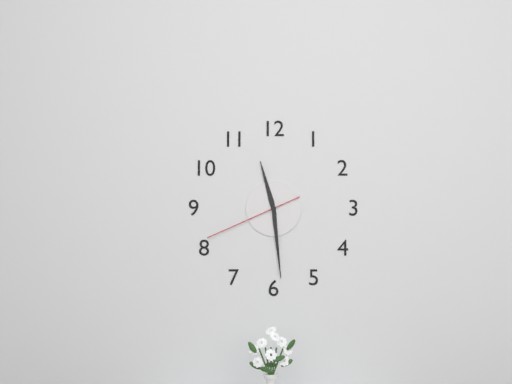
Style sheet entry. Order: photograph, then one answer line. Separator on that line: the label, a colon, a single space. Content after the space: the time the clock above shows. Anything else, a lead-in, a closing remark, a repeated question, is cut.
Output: 11:29:41
